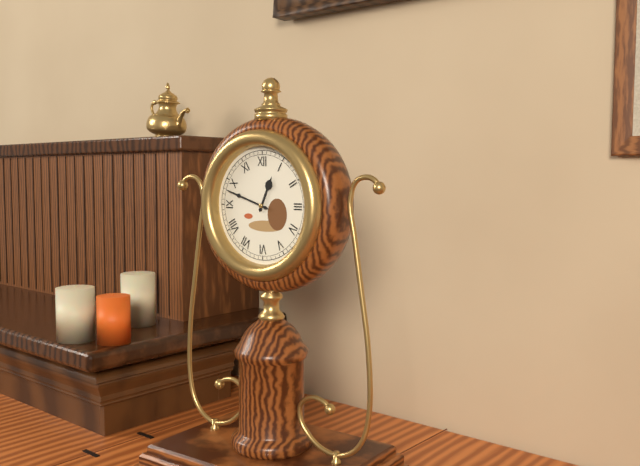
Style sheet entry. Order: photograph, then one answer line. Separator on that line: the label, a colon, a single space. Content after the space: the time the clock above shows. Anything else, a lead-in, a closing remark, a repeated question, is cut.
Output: 12:48
